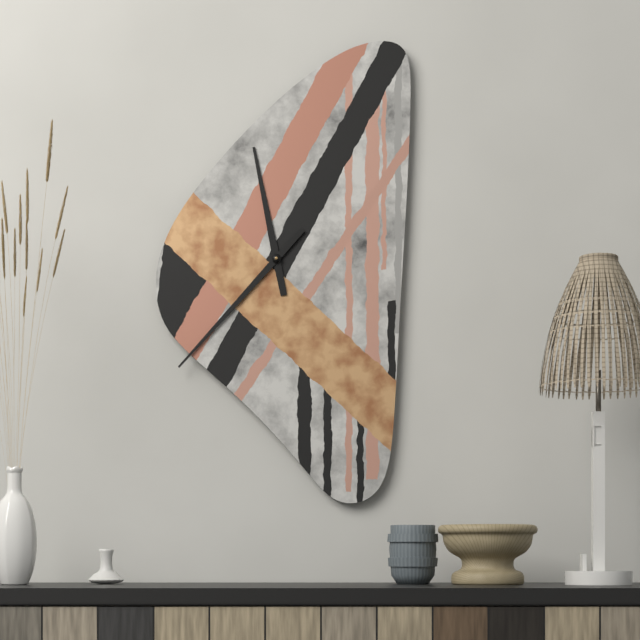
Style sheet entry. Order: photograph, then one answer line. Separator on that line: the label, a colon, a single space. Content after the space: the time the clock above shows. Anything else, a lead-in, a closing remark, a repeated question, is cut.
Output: 11:37
